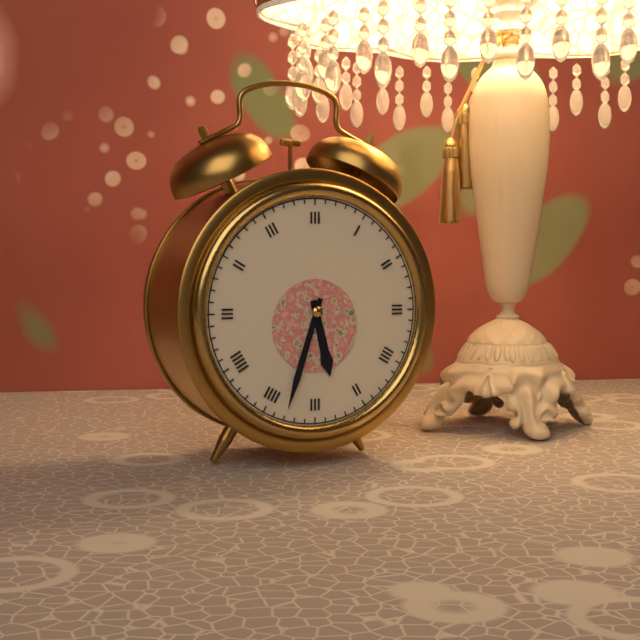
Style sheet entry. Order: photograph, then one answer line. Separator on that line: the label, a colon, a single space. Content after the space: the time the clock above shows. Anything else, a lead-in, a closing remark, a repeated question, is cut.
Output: 5:33
